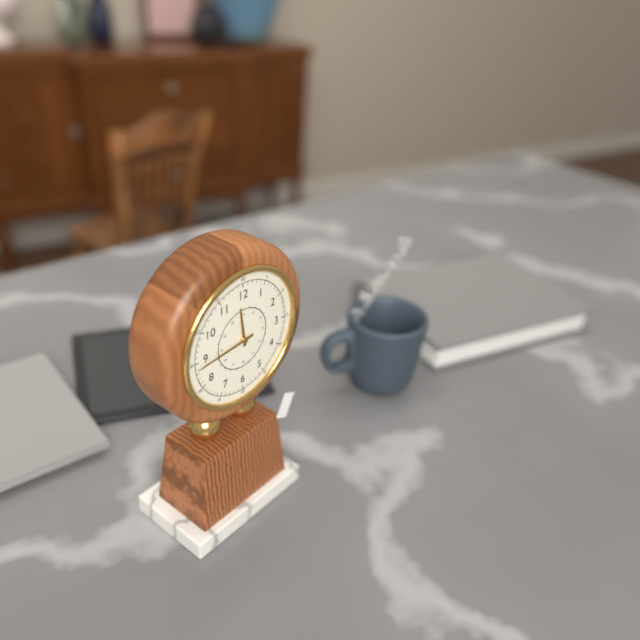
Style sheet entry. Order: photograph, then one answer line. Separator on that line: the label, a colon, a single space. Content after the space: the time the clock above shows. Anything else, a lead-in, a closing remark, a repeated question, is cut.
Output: 11:44
